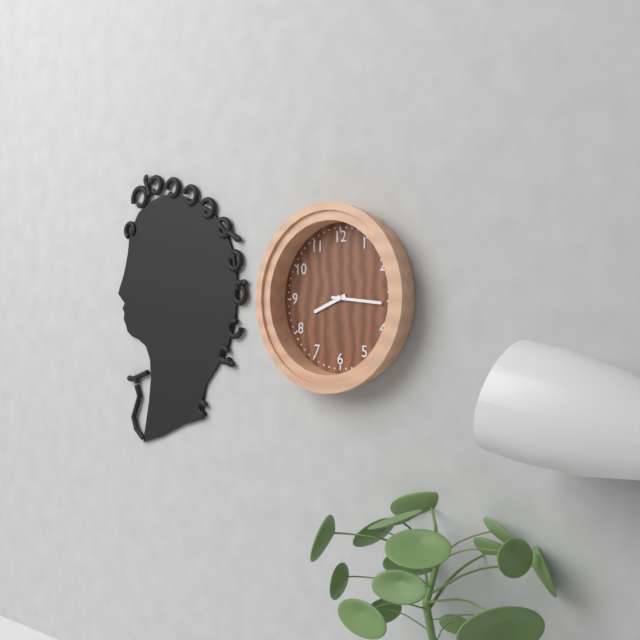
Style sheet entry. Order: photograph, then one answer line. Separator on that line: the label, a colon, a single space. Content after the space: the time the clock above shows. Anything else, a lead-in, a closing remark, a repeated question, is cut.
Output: 8:16
